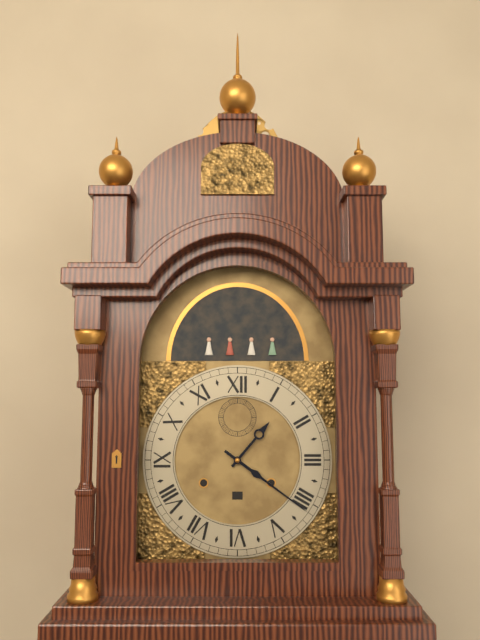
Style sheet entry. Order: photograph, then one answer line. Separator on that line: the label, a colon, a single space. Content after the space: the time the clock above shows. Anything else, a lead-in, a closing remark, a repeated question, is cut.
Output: 1:21
